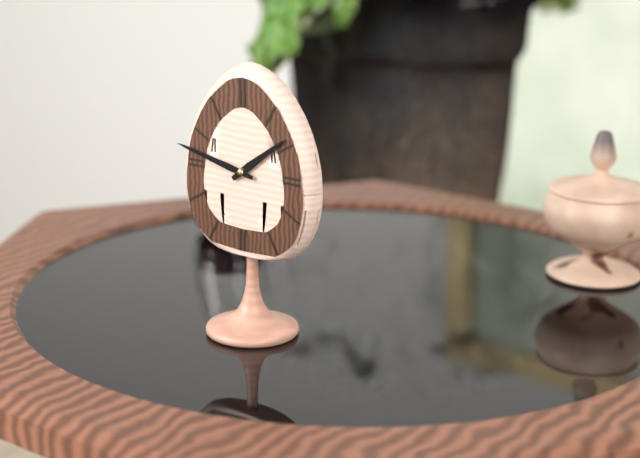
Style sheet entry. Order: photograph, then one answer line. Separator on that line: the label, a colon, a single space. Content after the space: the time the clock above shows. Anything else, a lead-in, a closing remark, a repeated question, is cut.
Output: 1:47
